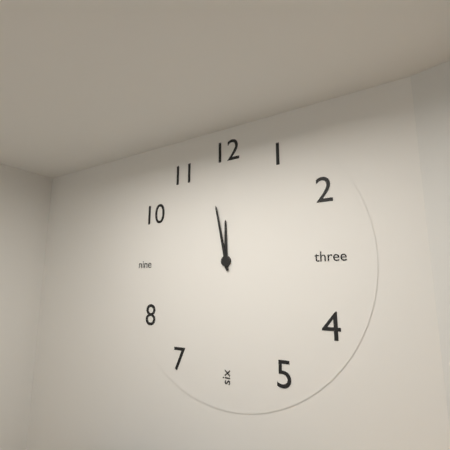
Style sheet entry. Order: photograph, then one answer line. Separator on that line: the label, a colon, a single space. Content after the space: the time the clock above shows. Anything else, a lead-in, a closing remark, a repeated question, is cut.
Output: 11:58
